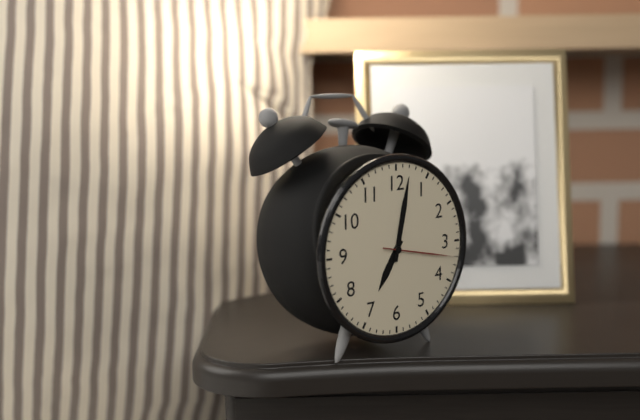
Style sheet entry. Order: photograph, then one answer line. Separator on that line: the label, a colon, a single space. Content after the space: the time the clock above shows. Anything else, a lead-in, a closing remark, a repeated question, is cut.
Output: 7:02:17
